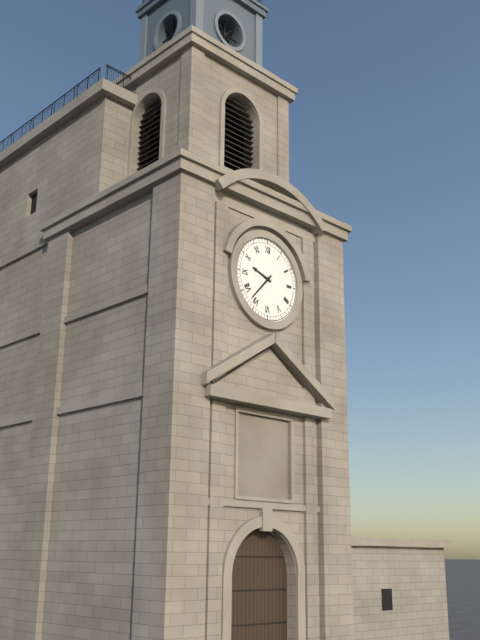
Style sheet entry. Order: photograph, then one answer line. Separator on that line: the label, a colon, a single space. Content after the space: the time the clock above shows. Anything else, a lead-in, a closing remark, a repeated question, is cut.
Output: 9:37
